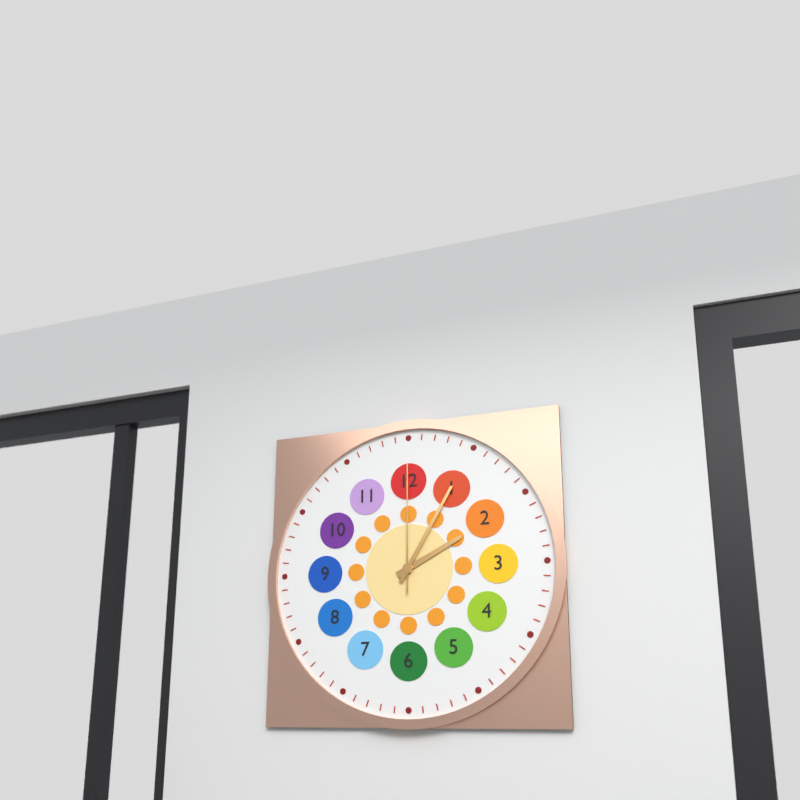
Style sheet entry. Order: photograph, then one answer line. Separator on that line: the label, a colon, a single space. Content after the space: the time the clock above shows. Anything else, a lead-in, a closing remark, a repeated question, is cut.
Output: 2:05:00
